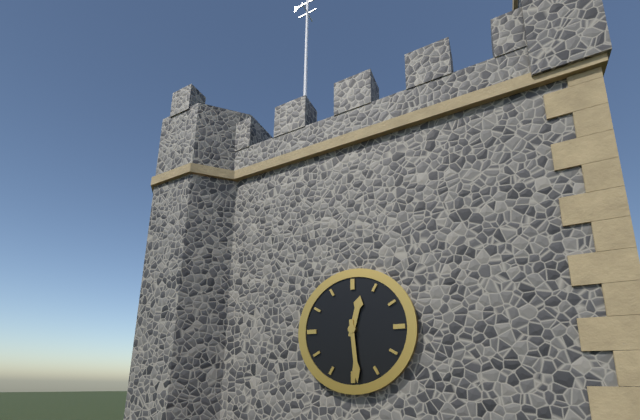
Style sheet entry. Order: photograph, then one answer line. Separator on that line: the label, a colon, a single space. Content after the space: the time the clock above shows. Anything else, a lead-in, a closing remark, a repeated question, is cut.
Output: 12:29
